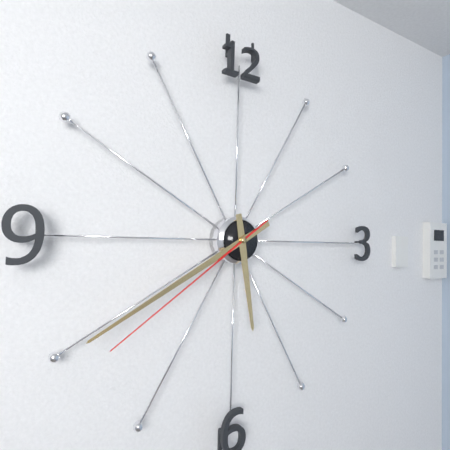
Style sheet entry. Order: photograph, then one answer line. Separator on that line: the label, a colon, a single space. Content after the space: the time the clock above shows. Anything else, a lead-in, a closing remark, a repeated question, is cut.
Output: 5:40:39
